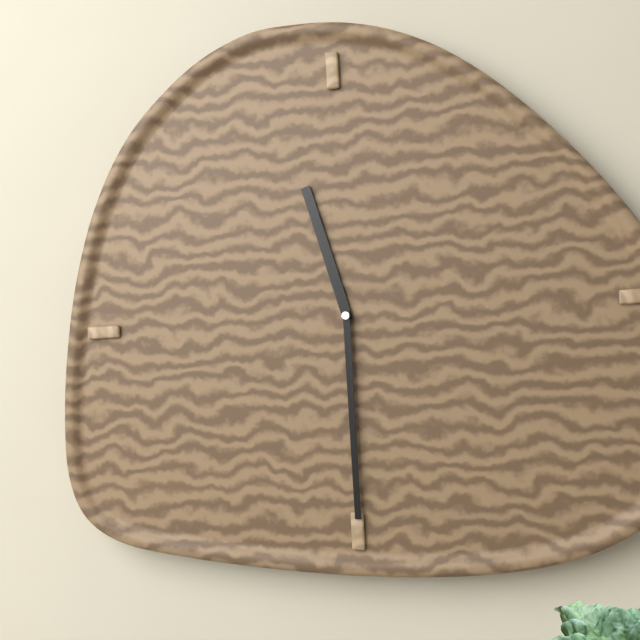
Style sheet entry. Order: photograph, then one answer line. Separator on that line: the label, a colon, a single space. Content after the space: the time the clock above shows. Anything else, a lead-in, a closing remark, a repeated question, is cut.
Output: 11:30
